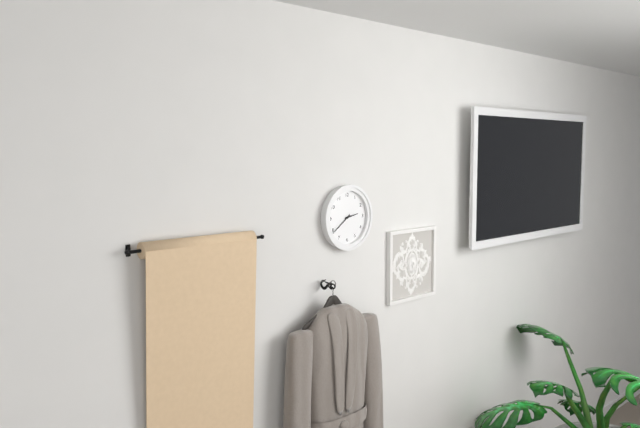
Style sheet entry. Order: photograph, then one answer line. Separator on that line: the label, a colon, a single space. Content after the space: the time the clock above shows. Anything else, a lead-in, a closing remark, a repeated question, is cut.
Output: 2:39
